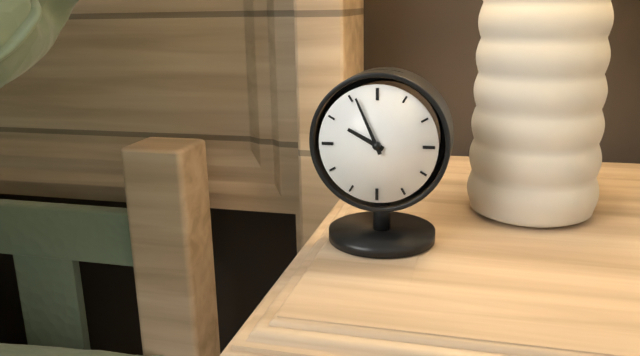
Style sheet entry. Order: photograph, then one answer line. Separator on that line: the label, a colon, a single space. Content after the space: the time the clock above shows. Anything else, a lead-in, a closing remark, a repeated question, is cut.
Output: 9:56
